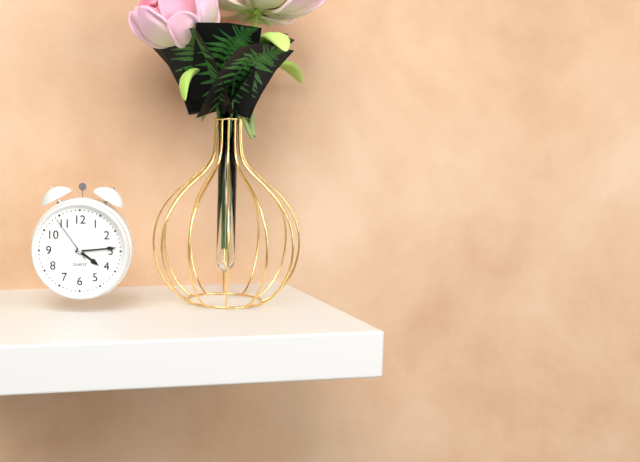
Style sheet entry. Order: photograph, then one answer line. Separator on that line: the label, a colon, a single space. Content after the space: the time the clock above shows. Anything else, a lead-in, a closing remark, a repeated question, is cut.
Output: 4:14
